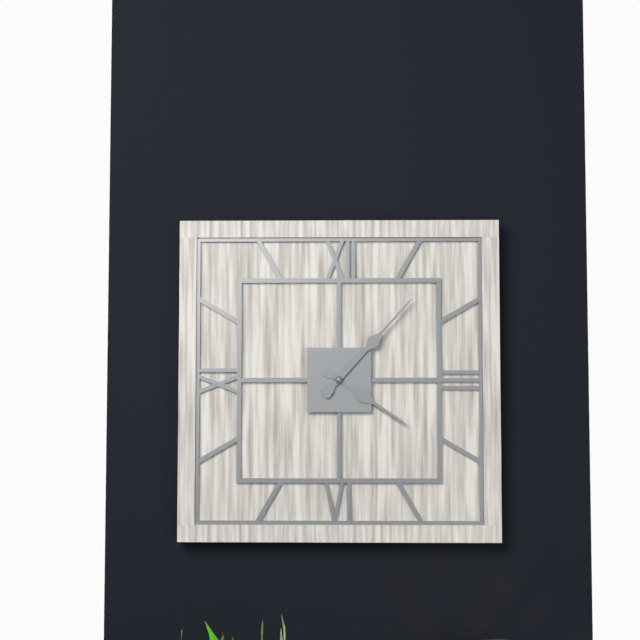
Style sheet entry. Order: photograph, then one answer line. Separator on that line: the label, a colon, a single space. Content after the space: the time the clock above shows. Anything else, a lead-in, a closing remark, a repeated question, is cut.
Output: 4:07
